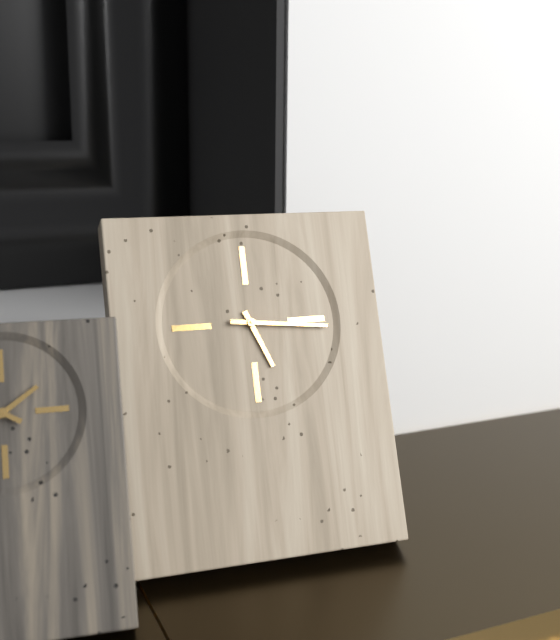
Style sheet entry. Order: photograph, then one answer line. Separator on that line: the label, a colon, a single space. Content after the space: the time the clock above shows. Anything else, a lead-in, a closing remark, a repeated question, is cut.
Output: 5:16
